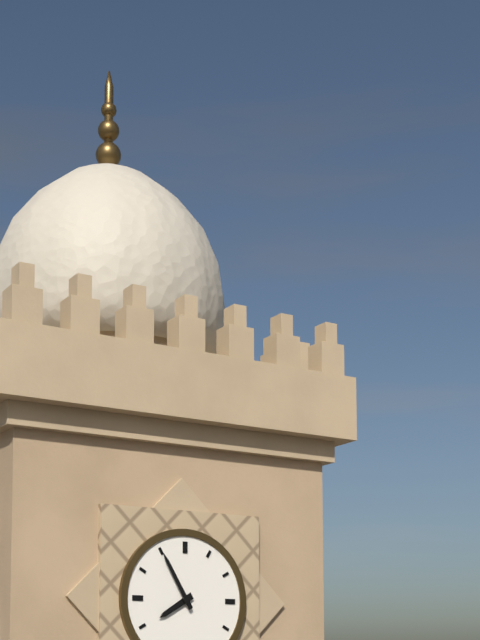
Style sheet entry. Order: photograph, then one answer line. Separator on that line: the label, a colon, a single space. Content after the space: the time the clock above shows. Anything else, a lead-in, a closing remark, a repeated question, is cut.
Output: 7:55
